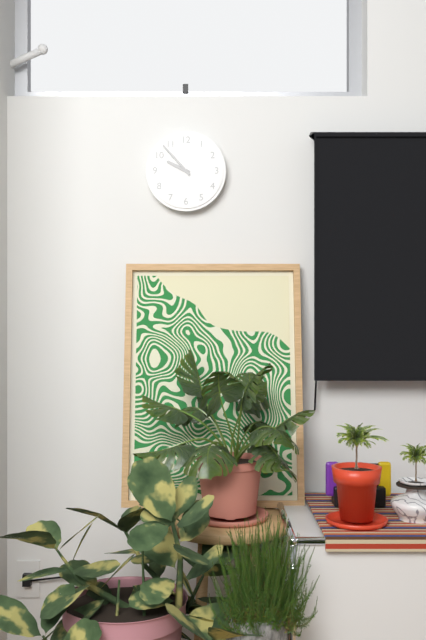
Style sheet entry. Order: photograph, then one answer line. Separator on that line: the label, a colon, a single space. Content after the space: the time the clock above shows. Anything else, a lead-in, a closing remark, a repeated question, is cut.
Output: 9:53
